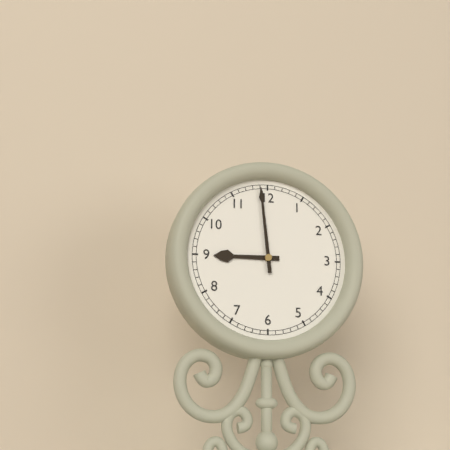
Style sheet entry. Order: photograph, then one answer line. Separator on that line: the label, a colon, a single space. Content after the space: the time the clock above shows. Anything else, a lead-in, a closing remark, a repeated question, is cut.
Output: 8:59
